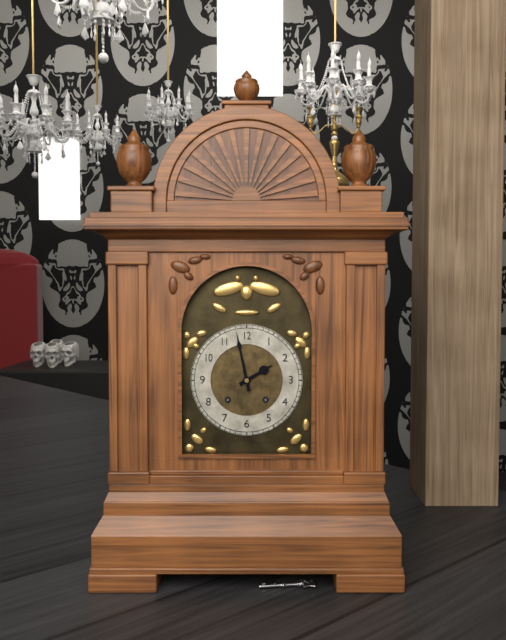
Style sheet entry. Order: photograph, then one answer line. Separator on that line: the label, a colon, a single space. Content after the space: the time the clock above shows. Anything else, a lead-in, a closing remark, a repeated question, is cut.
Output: 1:58
